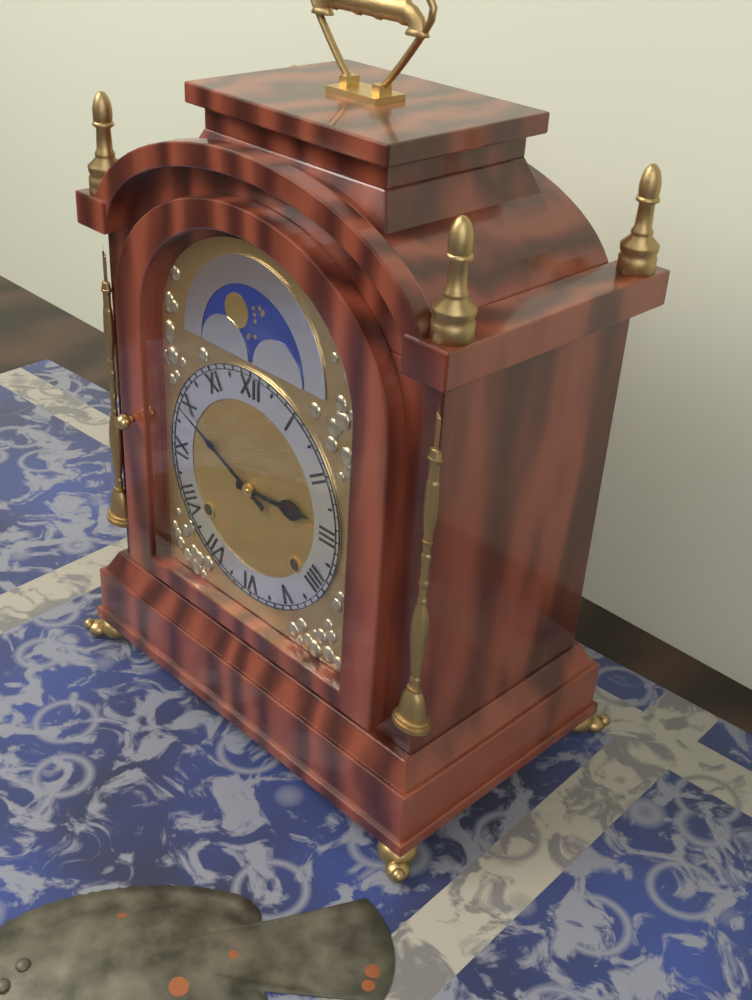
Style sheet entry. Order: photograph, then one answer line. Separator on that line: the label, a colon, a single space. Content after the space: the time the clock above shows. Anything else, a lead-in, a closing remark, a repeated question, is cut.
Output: 2:49
